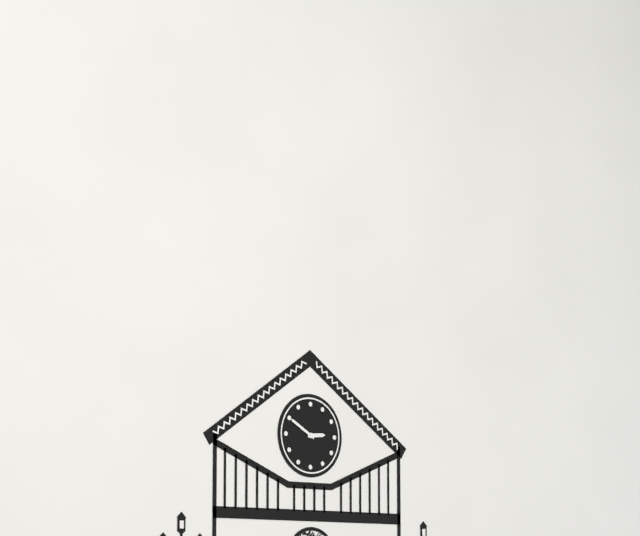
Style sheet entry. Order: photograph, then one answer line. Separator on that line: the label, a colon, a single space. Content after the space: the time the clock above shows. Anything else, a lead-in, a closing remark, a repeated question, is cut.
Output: 2:50
